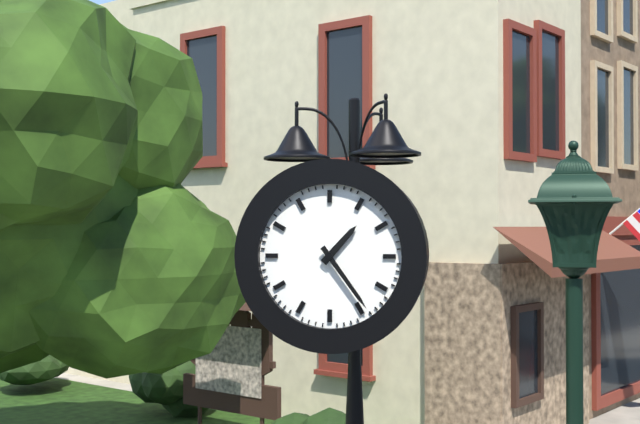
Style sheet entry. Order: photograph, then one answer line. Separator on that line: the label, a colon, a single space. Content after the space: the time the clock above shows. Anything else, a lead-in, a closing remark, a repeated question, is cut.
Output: 1:24
